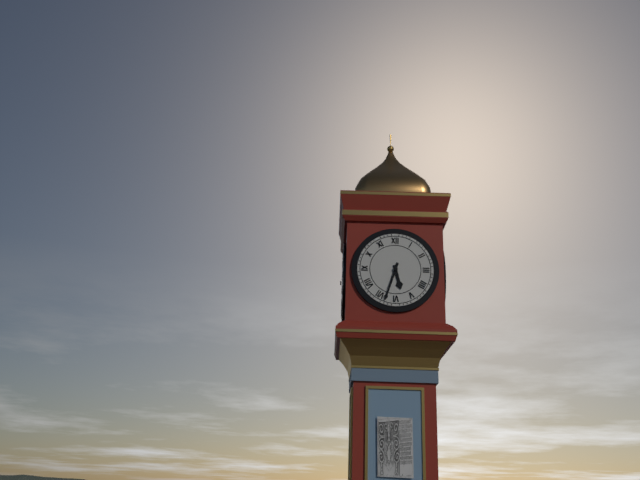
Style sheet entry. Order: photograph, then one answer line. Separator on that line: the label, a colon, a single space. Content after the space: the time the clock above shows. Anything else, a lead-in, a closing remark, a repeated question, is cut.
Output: 5:33
